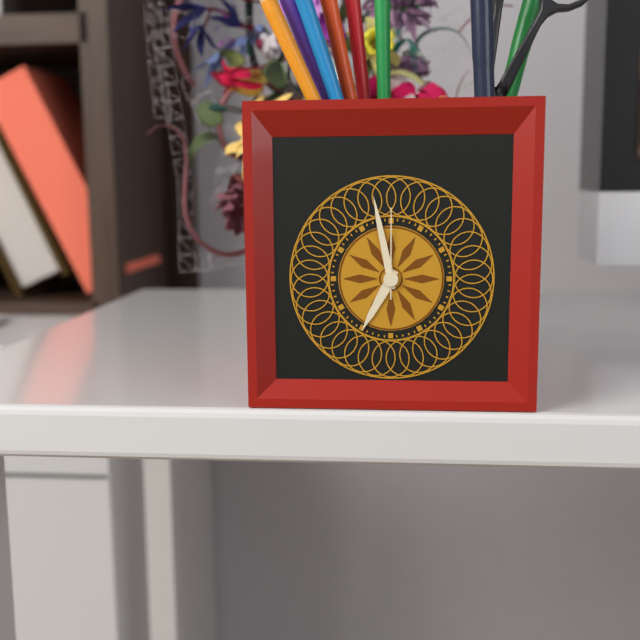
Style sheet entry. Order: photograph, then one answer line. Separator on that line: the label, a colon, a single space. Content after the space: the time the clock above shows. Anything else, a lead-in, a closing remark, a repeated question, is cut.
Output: 6:58:00
